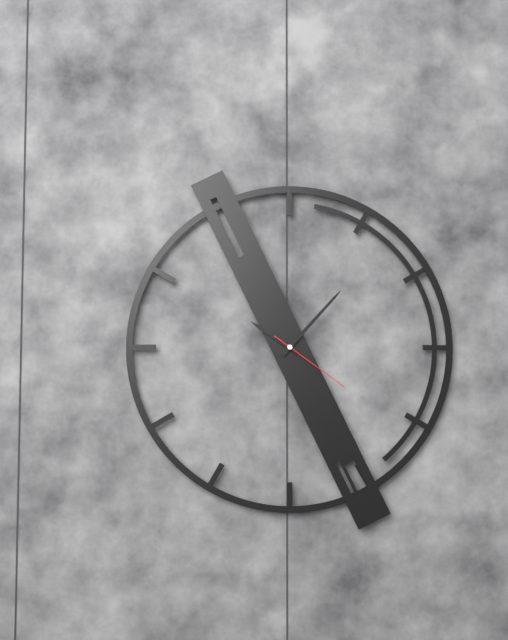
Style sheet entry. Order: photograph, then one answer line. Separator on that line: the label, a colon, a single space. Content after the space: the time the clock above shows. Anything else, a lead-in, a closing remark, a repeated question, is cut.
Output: 10:07:21
